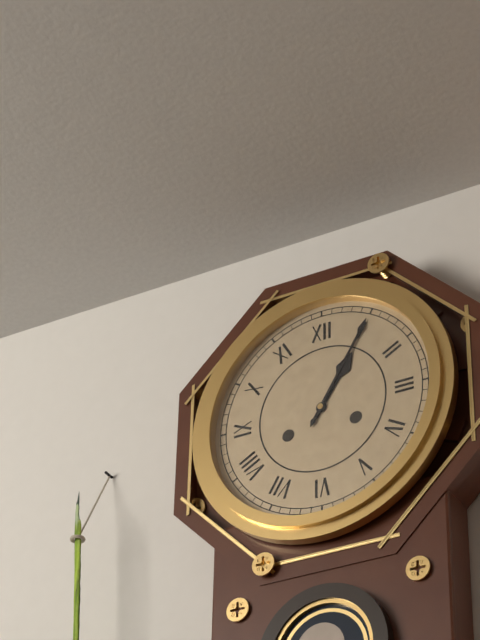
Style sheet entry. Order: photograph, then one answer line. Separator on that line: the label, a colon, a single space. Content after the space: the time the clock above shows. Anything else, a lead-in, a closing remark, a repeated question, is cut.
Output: 1:05
